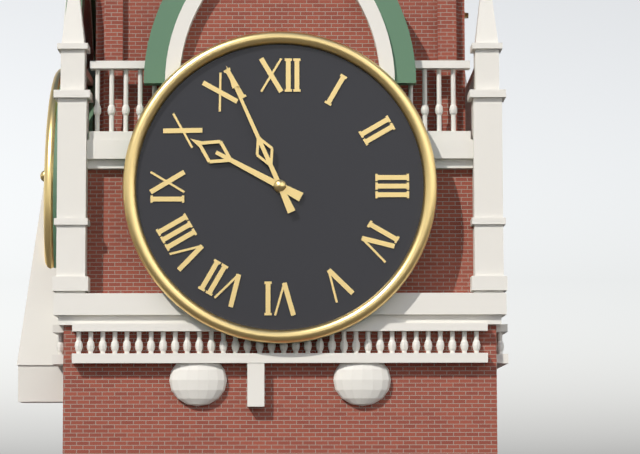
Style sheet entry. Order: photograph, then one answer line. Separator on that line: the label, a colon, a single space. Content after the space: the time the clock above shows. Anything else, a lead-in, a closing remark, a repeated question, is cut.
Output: 9:56
